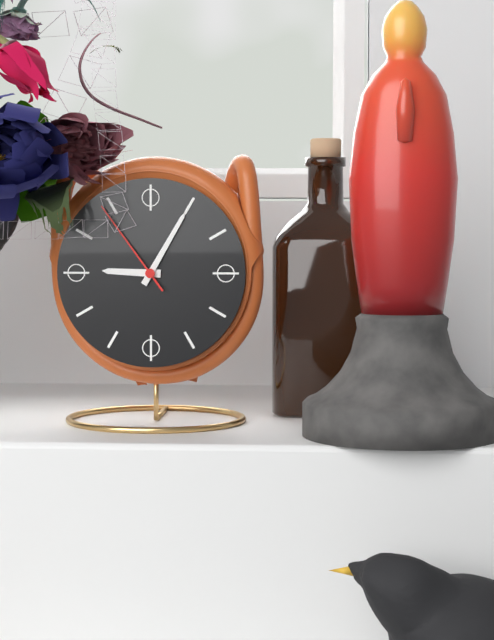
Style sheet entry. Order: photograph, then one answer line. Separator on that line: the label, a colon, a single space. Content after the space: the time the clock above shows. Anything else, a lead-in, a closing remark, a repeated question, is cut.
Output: 9:05:54
